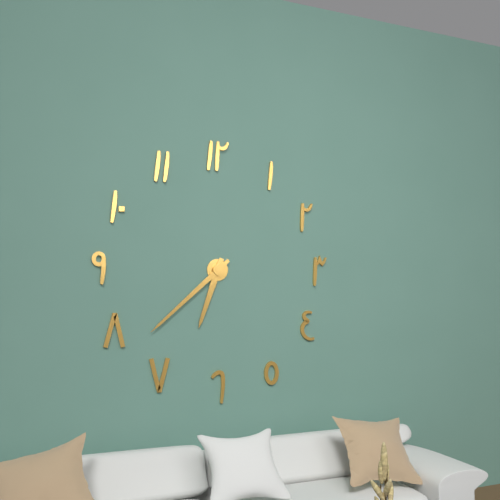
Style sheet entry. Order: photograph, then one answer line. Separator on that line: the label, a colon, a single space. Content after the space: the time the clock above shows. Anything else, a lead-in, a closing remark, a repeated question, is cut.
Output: 6:38
